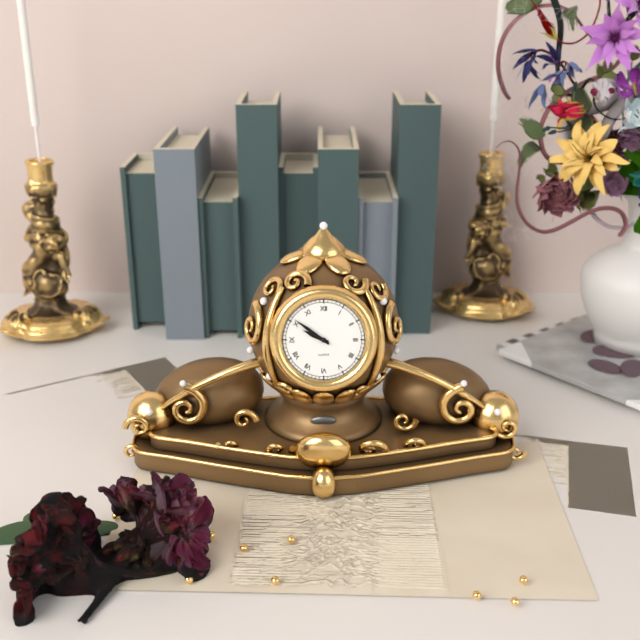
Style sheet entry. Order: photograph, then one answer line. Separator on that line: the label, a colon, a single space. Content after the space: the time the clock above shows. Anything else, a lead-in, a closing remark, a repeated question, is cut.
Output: 9:51
